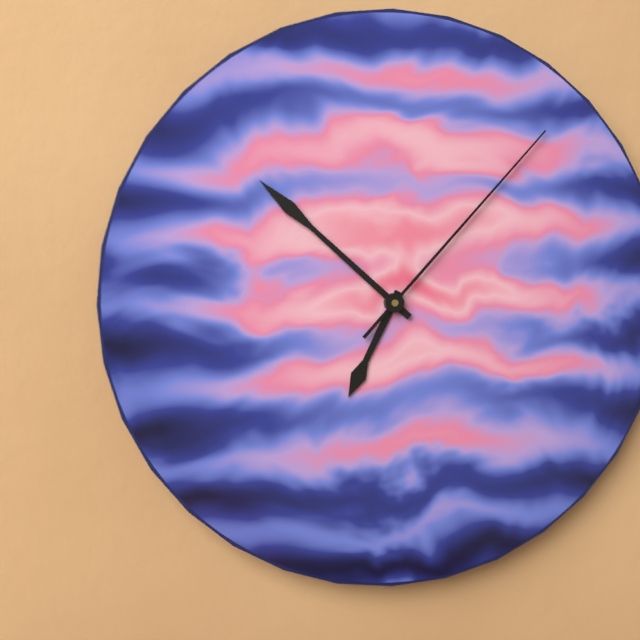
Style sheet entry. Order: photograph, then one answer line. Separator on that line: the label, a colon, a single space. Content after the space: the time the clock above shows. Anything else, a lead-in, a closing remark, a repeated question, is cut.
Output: 6:52:07
